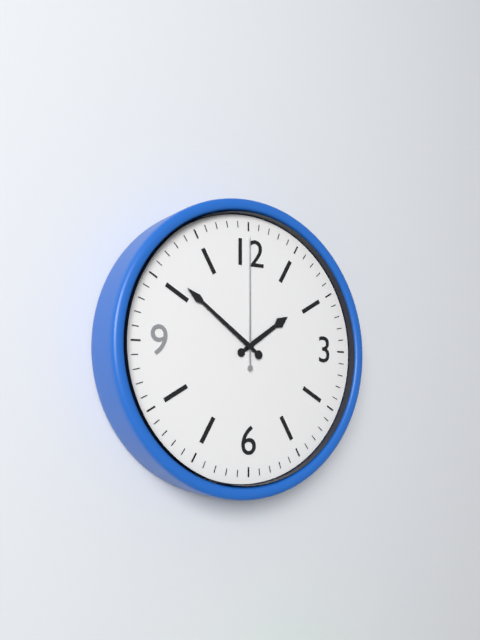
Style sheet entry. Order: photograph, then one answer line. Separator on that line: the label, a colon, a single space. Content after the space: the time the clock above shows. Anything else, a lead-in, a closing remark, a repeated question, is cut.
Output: 1:51:00
